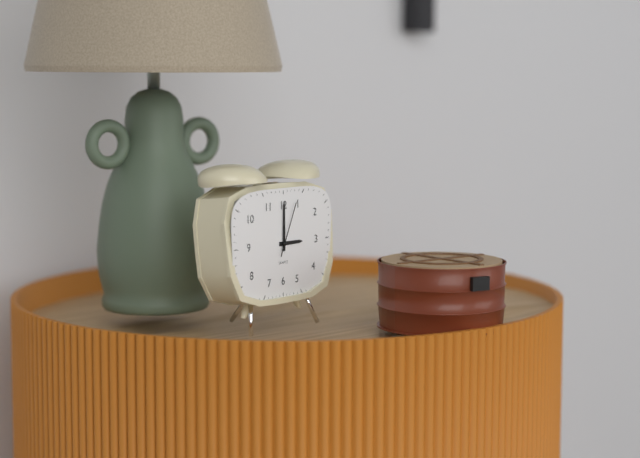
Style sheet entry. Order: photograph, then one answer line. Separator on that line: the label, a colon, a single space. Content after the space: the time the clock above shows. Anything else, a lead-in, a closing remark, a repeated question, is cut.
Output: 3:00:04
